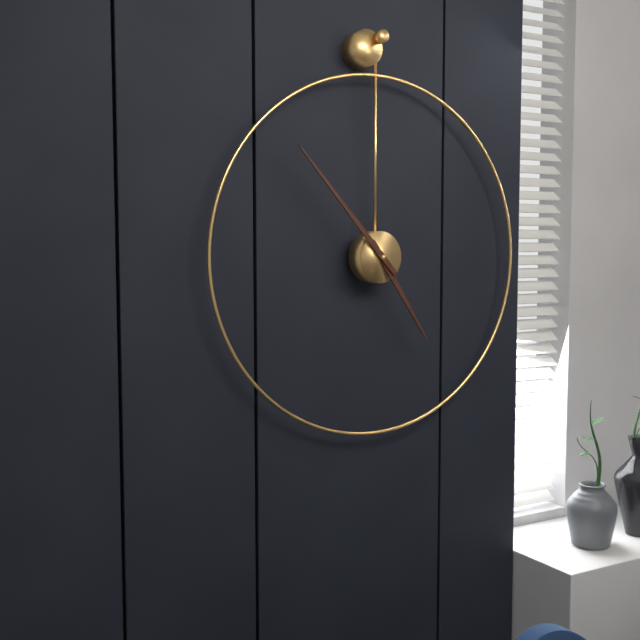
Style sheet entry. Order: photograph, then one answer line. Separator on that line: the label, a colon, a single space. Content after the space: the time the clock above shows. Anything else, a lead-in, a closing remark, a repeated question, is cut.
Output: 4:53
